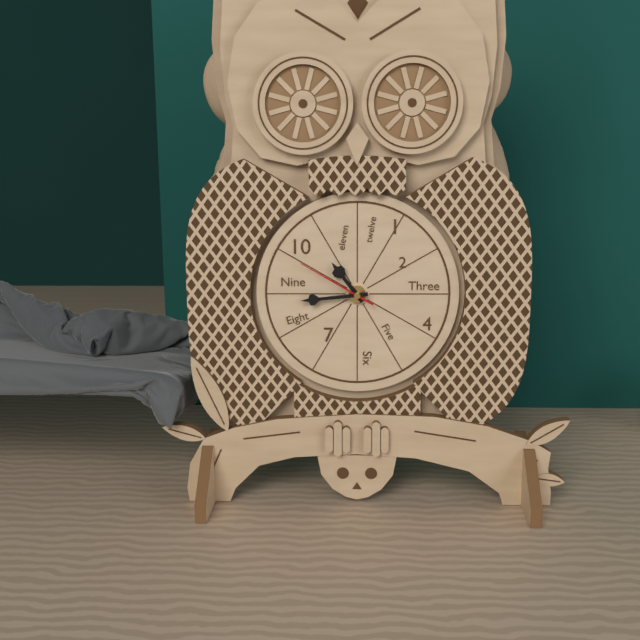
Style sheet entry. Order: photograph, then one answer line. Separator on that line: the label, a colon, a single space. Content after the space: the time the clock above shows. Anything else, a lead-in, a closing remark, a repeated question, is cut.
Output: 10:44:50
